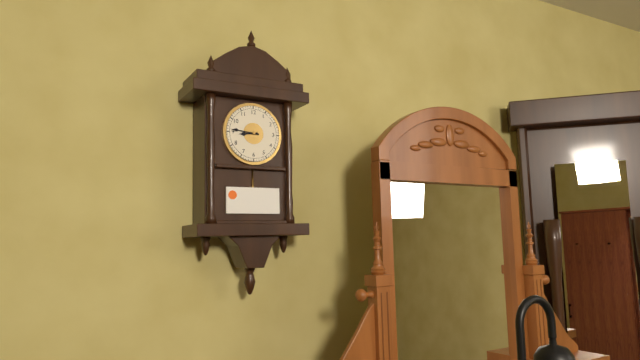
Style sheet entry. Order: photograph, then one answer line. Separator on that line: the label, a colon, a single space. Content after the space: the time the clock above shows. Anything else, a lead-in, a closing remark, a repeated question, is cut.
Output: 8:46
